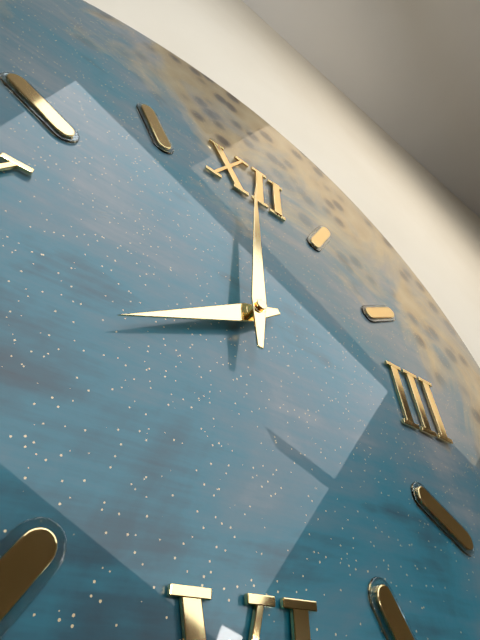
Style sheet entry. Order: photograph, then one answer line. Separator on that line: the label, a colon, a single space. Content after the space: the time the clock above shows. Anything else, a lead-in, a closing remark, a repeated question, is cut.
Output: 8:00
